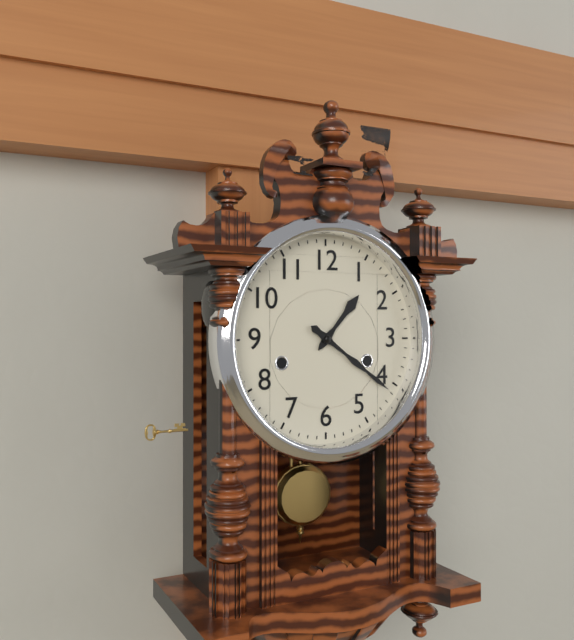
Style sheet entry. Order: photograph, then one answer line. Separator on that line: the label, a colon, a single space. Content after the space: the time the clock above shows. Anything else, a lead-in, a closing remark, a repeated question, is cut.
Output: 1:21
